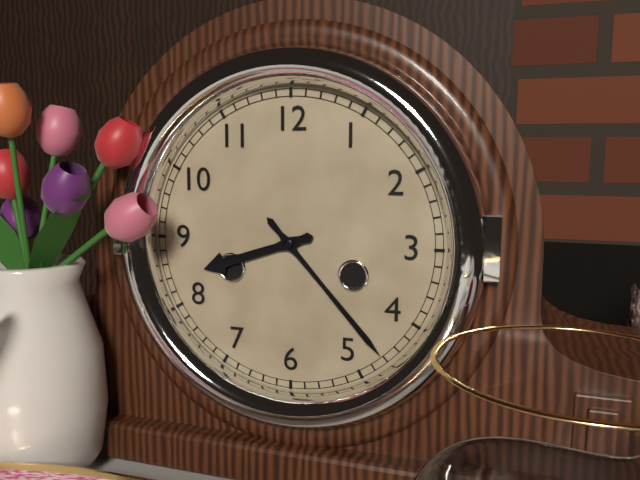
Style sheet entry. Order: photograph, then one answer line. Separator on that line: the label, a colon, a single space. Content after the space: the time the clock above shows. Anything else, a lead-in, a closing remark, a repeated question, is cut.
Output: 8:23
